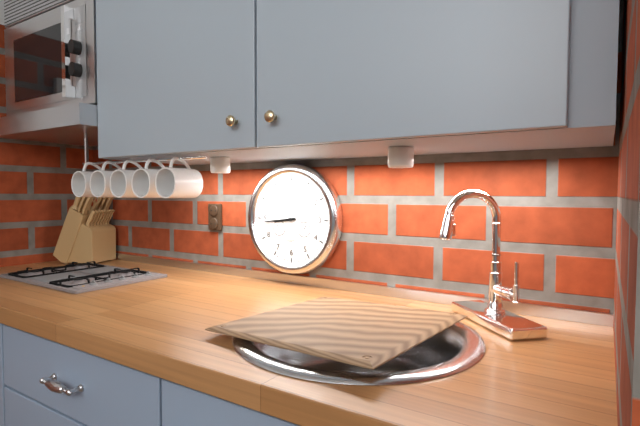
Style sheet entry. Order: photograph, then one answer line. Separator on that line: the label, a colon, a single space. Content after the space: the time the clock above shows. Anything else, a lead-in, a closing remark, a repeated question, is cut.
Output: 8:44
